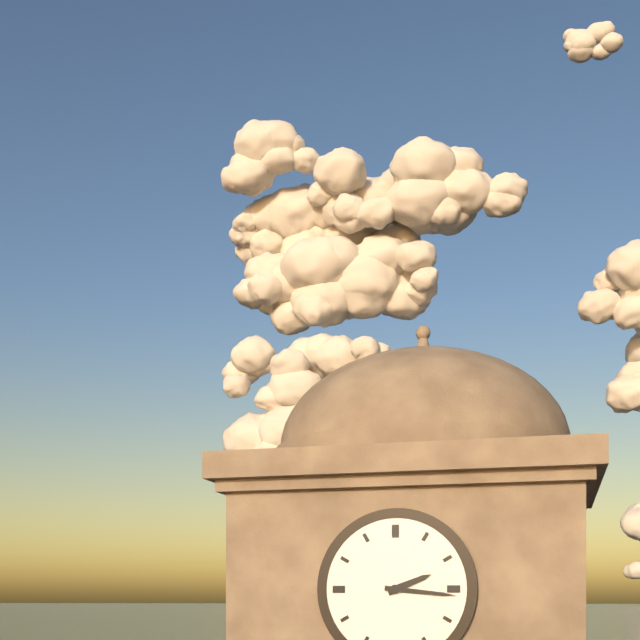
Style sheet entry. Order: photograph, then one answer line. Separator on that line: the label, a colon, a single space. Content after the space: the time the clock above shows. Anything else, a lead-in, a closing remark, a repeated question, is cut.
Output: 2:16
